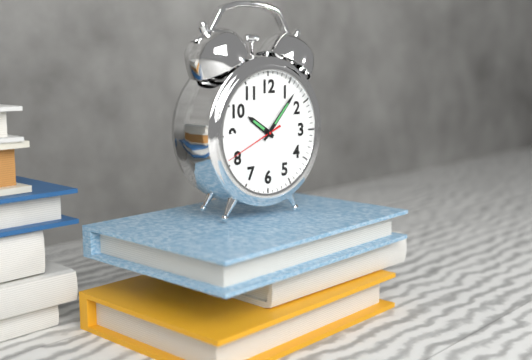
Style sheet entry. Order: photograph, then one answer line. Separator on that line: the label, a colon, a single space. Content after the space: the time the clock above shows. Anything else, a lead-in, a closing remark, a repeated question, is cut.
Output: 10:07:41
